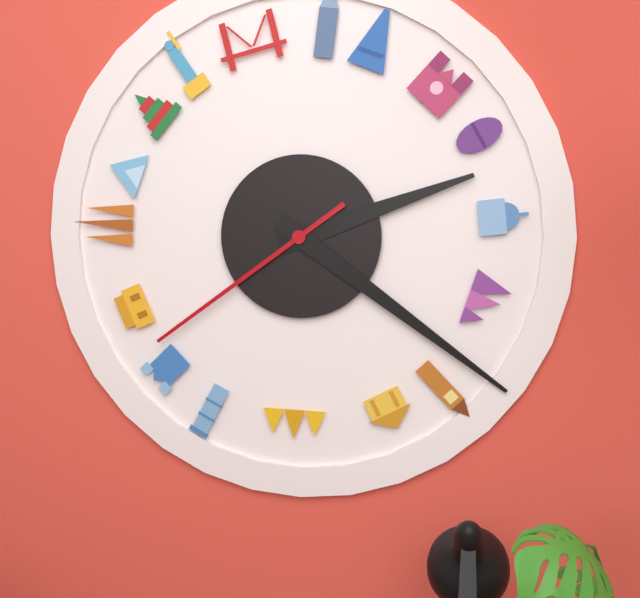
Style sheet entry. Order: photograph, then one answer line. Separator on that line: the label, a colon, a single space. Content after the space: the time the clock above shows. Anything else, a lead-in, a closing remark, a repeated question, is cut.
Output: 2:21:39
